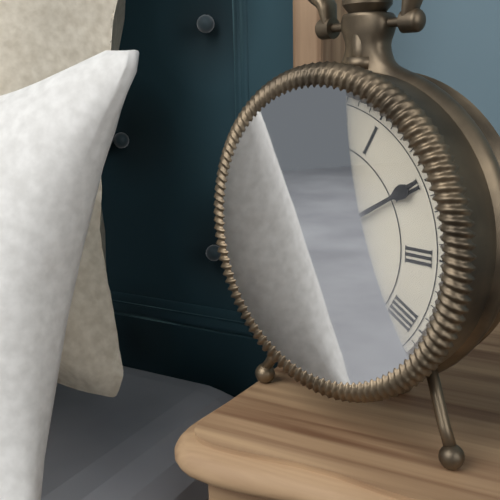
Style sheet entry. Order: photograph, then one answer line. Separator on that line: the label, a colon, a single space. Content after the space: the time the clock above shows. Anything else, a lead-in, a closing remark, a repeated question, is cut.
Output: 10:10
